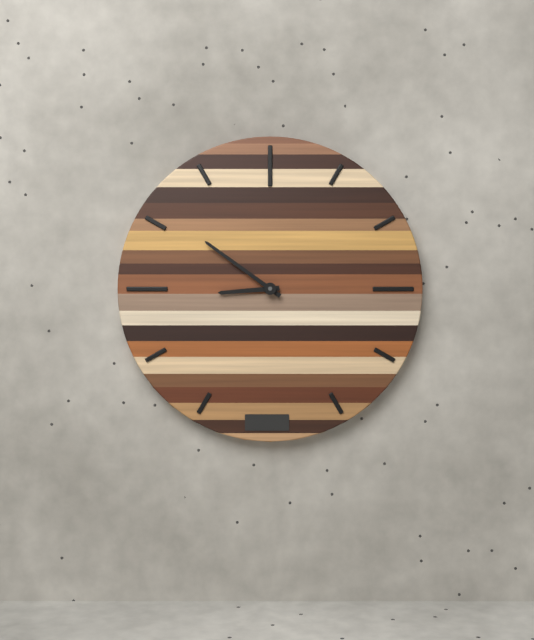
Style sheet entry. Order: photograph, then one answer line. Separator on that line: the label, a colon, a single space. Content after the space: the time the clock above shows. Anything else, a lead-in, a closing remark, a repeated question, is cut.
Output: 8:51
